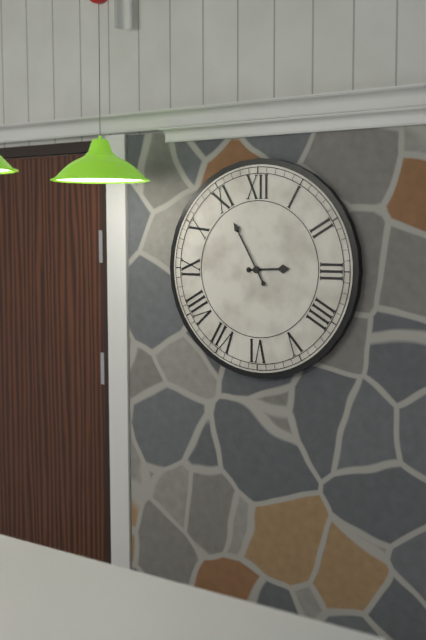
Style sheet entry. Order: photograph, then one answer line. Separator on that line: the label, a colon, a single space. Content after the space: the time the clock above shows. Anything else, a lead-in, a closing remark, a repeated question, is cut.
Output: 2:55
